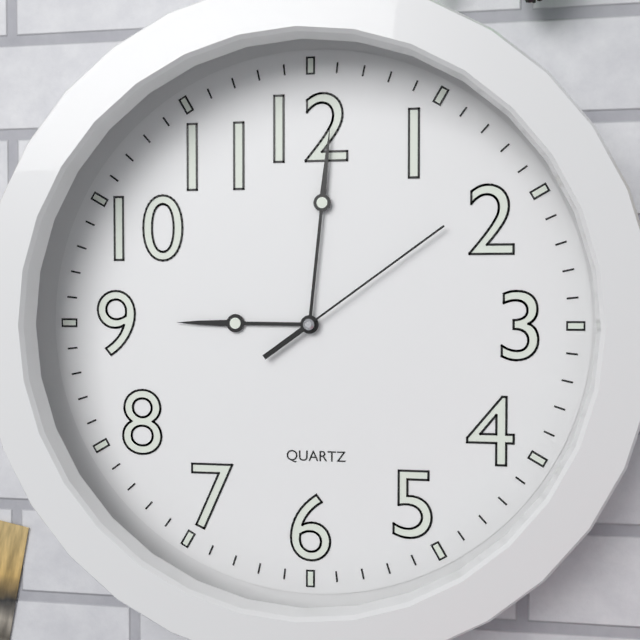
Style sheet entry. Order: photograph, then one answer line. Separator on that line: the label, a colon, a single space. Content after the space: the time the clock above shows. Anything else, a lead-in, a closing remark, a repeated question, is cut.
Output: 9:01:09
